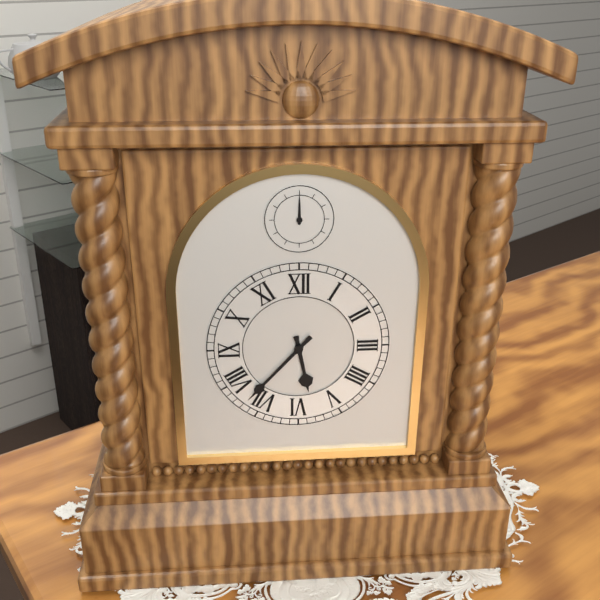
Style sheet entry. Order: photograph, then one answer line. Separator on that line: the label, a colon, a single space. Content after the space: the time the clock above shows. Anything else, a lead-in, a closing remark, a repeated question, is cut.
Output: 5:37
